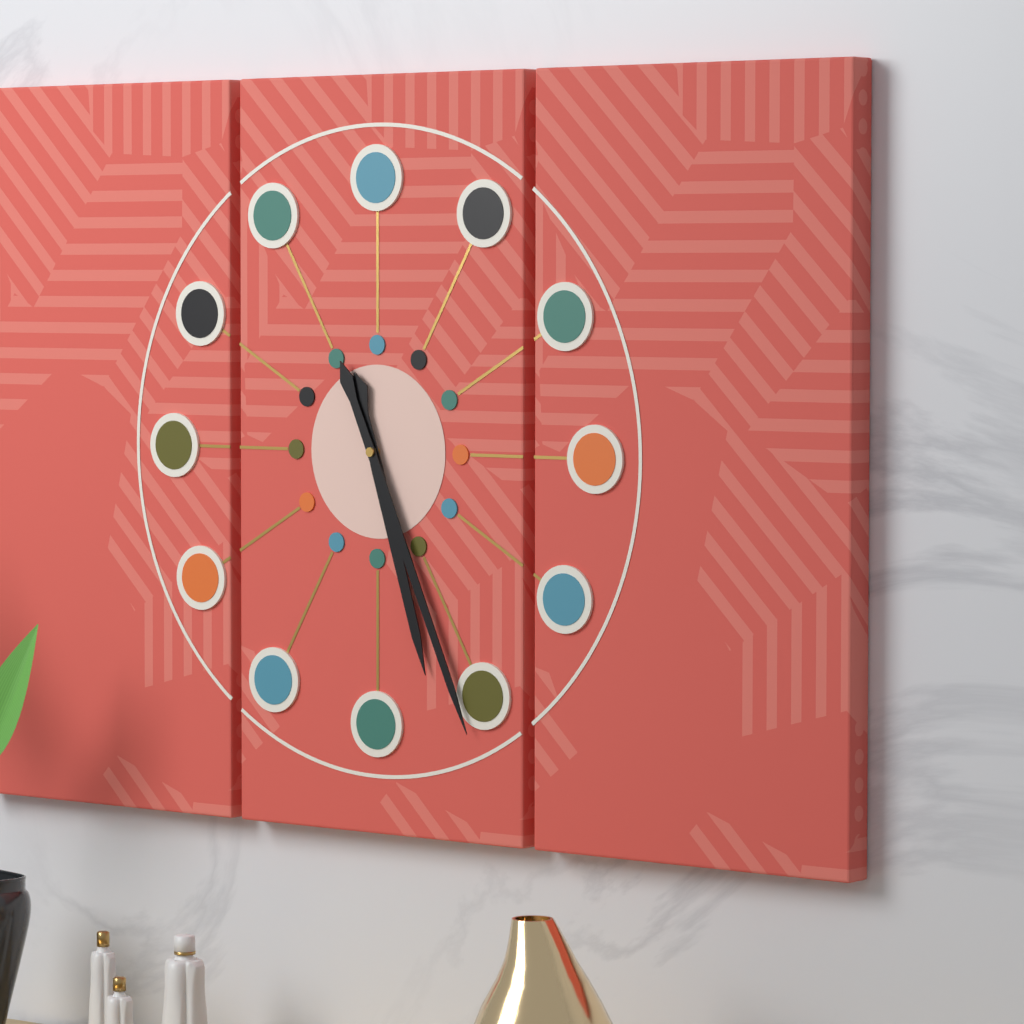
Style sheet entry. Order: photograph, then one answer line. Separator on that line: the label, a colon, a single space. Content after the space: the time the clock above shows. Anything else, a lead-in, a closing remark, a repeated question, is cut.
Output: 5:26
